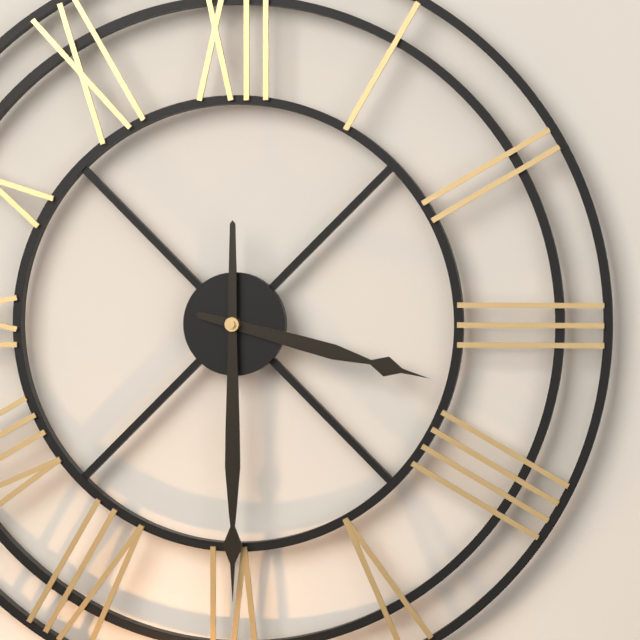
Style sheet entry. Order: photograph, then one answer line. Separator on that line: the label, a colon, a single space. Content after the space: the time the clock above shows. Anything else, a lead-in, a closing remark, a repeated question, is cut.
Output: 3:30
